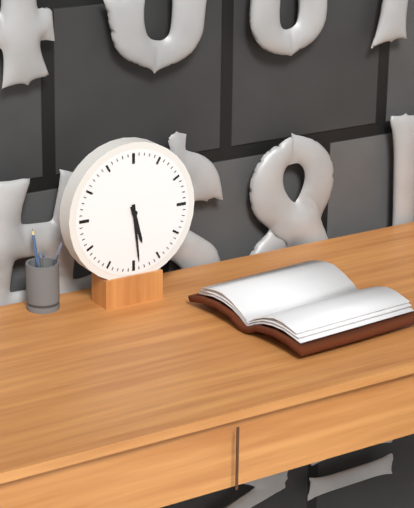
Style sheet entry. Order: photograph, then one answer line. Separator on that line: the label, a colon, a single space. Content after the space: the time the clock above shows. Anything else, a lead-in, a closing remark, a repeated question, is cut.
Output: 5:29
